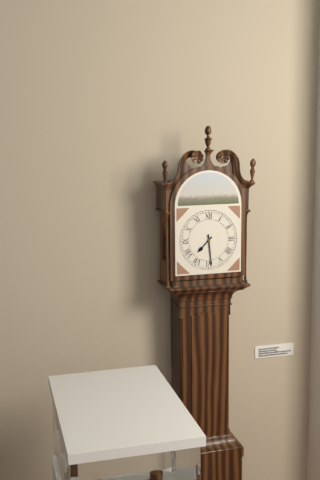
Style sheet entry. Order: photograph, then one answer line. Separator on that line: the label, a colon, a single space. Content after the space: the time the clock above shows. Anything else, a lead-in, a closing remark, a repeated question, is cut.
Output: 7:29
